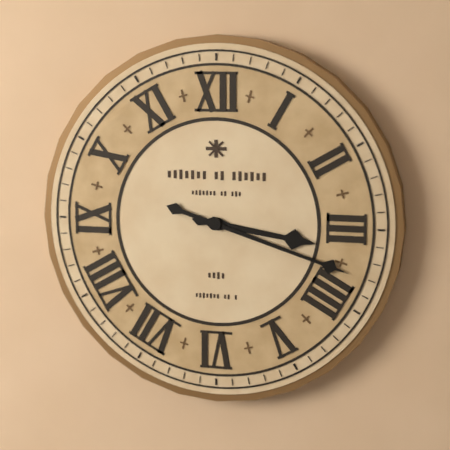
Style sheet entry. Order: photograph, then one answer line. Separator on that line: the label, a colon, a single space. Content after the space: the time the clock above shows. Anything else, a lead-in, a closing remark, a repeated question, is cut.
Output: 3:18
